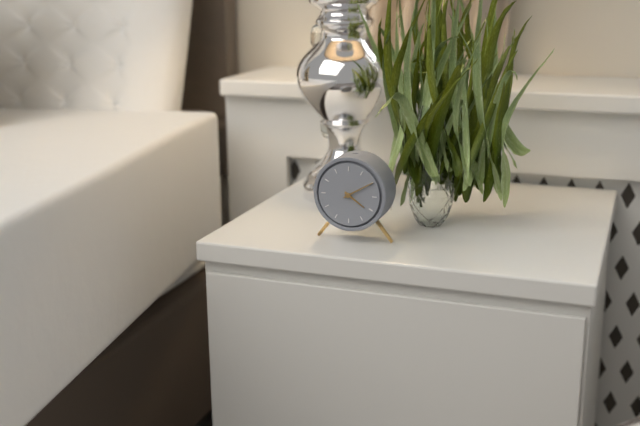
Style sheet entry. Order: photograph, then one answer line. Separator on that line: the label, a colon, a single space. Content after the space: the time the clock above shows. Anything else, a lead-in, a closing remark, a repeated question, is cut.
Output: 4:10
